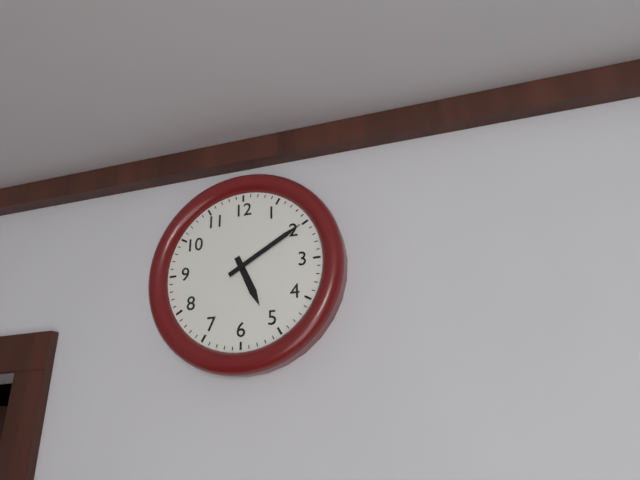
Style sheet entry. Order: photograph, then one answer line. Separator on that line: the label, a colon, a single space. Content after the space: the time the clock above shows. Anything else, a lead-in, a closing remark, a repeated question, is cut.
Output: 5:10
